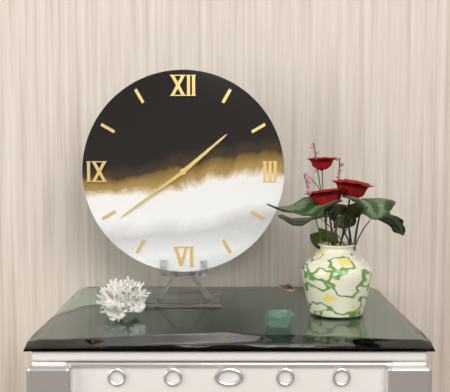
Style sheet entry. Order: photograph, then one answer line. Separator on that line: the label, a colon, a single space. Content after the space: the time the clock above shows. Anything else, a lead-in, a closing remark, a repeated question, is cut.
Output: 1:39
